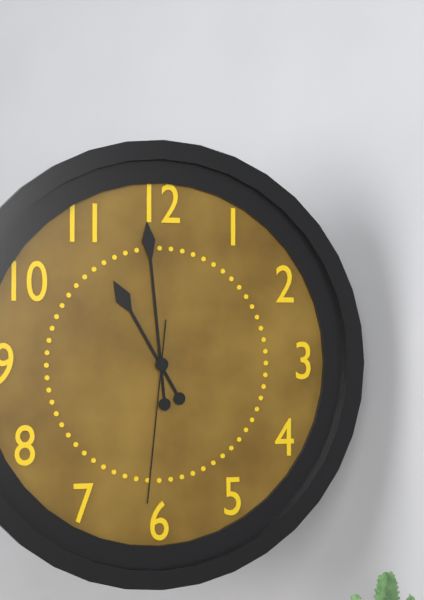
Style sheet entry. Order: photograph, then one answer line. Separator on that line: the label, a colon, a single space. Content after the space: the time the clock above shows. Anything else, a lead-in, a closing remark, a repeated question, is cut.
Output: 10:59:31
